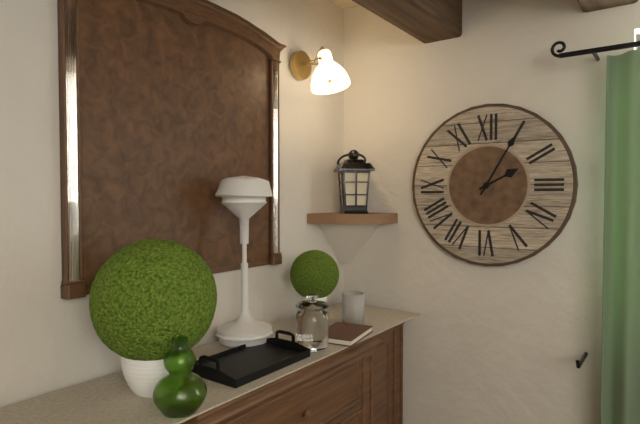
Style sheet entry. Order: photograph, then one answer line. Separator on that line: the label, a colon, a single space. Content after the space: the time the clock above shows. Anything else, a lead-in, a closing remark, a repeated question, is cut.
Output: 2:05
